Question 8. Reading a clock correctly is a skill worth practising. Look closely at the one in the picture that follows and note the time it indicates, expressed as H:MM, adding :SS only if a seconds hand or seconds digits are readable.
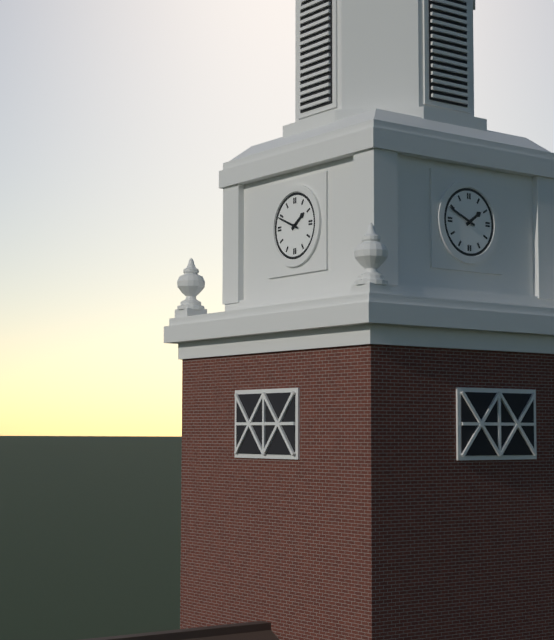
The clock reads 1:49
